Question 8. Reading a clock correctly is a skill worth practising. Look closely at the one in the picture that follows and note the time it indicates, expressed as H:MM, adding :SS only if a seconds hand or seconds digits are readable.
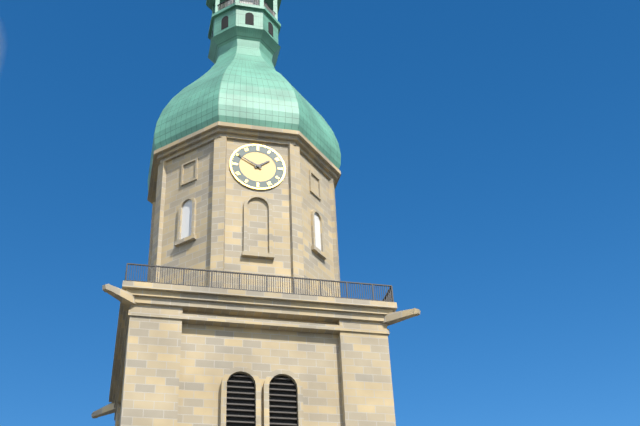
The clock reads 1:50
